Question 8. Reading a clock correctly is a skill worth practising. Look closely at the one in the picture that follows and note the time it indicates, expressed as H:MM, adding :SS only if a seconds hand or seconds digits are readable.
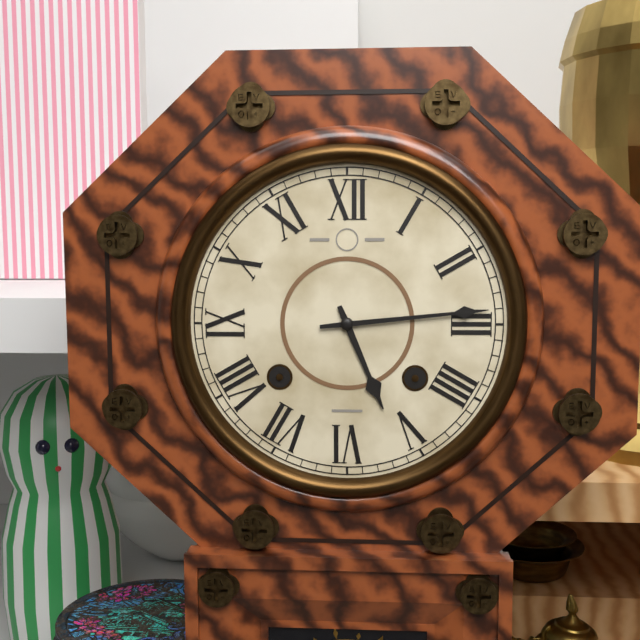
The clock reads 5:14
